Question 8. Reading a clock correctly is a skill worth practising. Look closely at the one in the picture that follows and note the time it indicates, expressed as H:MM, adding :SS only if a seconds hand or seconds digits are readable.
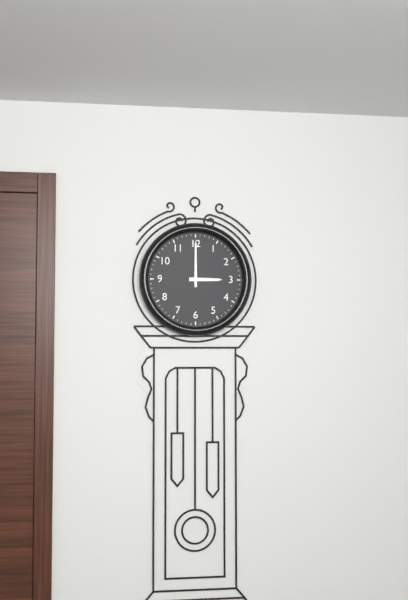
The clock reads 3:00
